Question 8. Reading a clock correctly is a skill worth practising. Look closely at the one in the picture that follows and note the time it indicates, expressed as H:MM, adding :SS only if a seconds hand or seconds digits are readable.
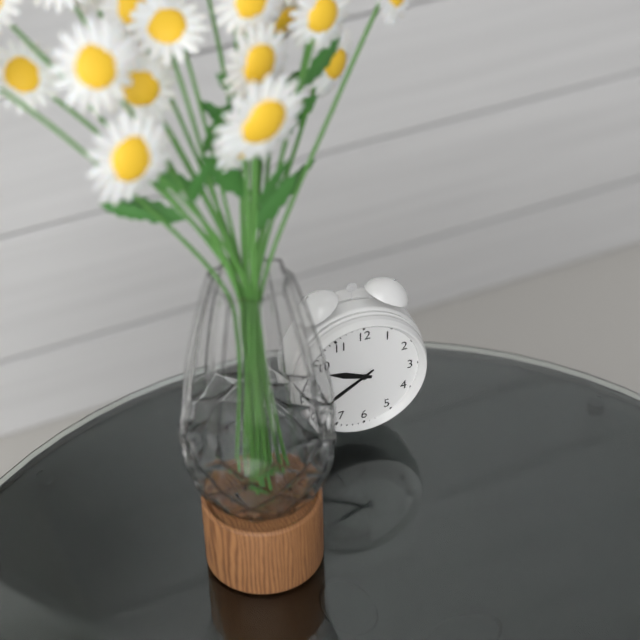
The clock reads 9:40
